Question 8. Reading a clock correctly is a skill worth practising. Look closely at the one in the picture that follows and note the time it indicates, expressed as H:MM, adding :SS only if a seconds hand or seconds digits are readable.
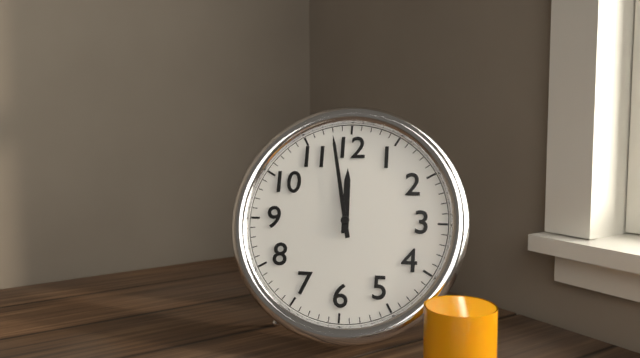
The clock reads 11:58
